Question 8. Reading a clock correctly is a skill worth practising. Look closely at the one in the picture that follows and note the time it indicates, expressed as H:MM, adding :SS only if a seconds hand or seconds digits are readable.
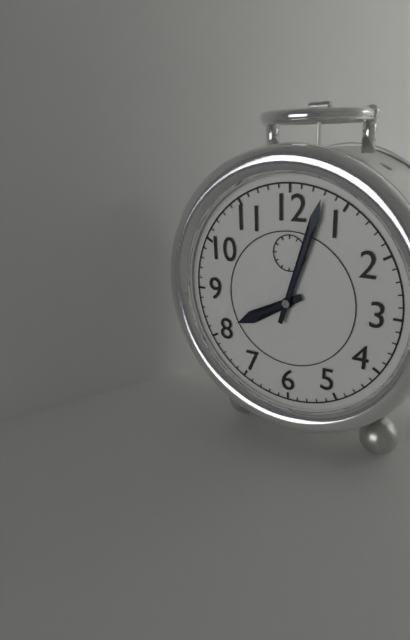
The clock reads 8:03
